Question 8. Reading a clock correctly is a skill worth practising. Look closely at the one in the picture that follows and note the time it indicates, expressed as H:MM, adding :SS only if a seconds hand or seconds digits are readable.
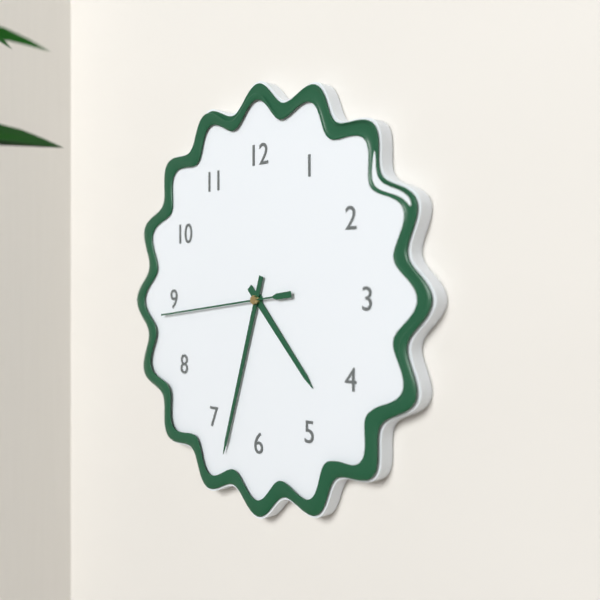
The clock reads 4:33:44
